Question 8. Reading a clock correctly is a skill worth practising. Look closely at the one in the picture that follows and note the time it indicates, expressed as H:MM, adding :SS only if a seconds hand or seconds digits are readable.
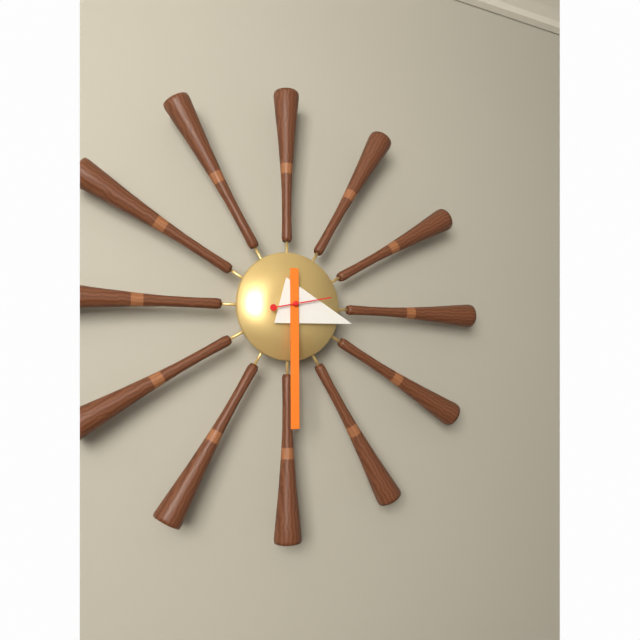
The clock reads 3:30:13
